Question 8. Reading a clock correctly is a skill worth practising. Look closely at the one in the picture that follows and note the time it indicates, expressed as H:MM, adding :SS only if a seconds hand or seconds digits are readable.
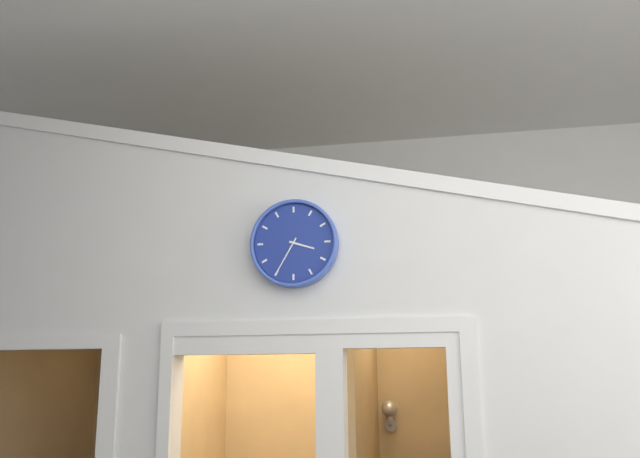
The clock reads 3:35
